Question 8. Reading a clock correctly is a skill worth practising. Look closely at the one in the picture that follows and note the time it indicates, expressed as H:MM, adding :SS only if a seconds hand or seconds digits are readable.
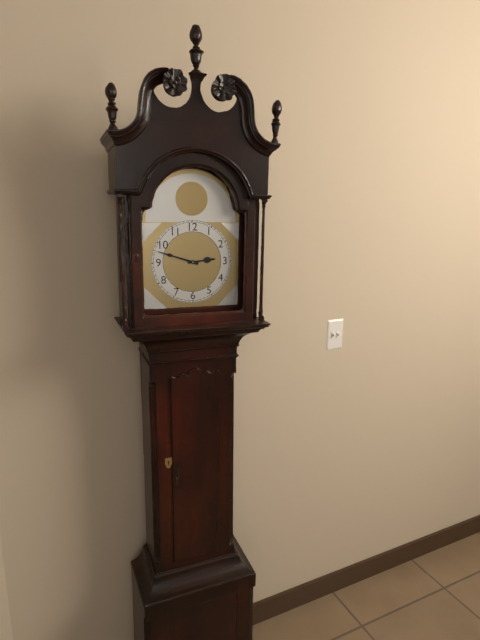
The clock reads 2:48
